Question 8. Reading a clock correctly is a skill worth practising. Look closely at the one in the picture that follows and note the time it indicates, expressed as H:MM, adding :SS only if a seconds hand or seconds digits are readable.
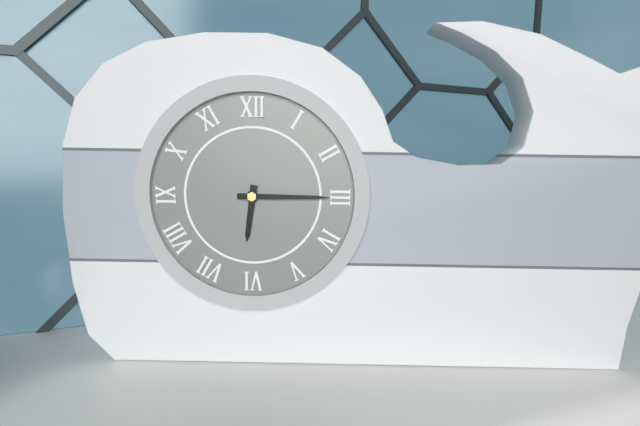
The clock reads 6:15
